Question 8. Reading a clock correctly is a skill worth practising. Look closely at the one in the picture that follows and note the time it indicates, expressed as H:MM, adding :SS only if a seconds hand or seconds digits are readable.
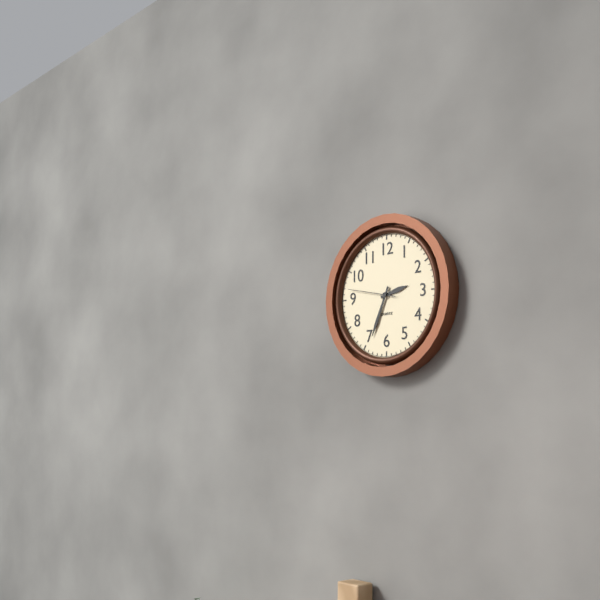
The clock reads 2:34
